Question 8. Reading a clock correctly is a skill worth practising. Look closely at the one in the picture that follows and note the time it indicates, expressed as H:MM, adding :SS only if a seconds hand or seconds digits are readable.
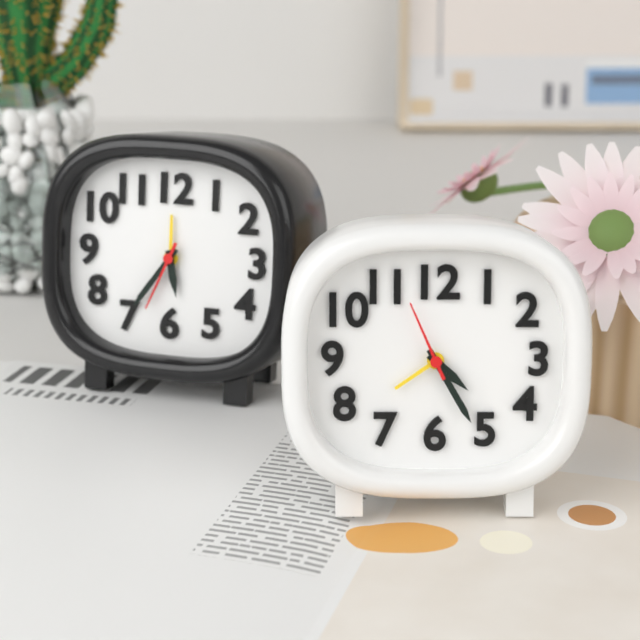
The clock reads 4:25:56
